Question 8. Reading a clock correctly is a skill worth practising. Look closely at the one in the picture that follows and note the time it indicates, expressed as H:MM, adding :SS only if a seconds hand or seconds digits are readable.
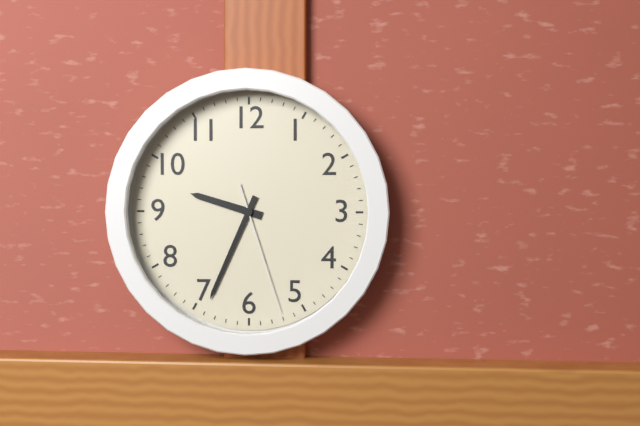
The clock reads 9:34:27
